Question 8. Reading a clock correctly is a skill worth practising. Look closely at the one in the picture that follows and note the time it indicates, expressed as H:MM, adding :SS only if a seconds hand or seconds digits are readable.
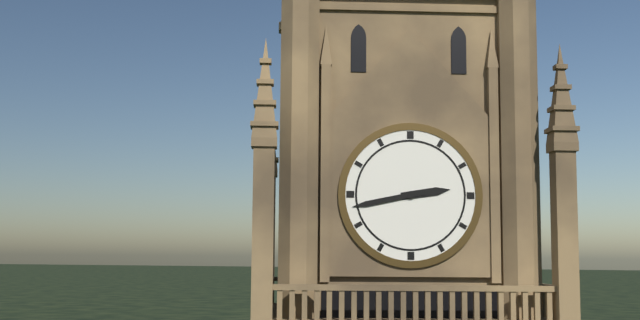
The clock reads 2:43
